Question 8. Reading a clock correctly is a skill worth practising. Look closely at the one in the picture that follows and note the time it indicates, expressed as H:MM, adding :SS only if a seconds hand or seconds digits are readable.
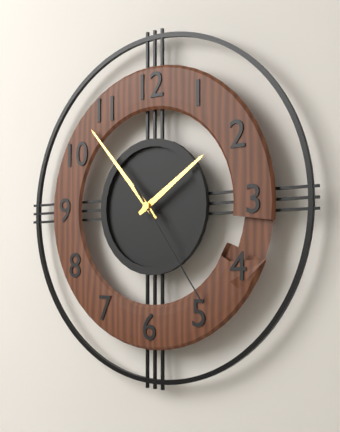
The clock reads 1:53:24
